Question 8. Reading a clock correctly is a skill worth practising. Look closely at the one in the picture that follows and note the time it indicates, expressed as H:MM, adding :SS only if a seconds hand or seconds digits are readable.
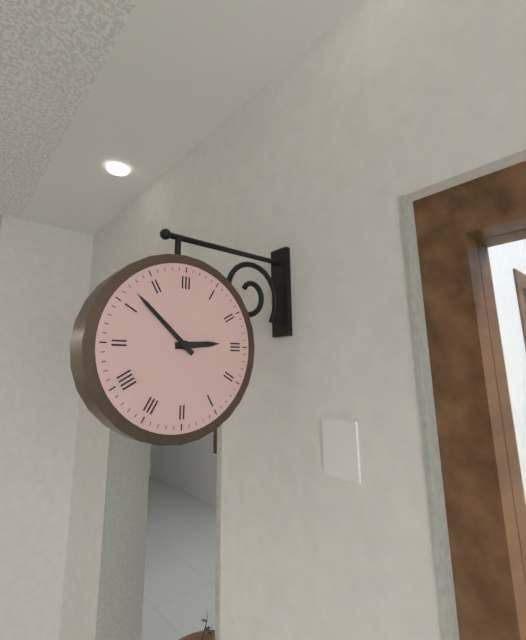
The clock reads 2:52
